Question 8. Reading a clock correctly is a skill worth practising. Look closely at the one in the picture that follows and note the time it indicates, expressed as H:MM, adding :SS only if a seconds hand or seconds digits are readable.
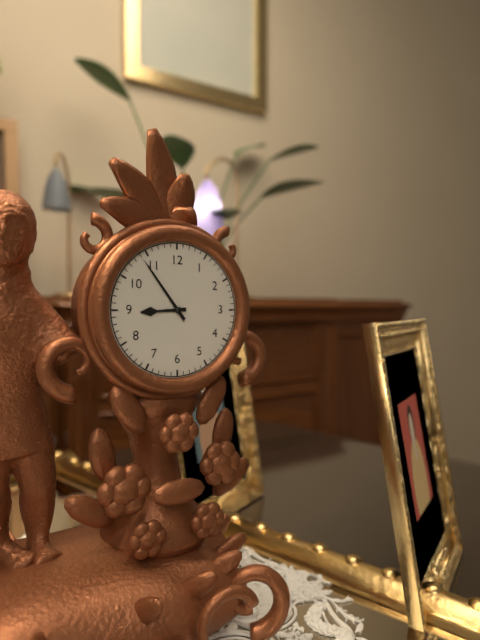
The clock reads 8:54
